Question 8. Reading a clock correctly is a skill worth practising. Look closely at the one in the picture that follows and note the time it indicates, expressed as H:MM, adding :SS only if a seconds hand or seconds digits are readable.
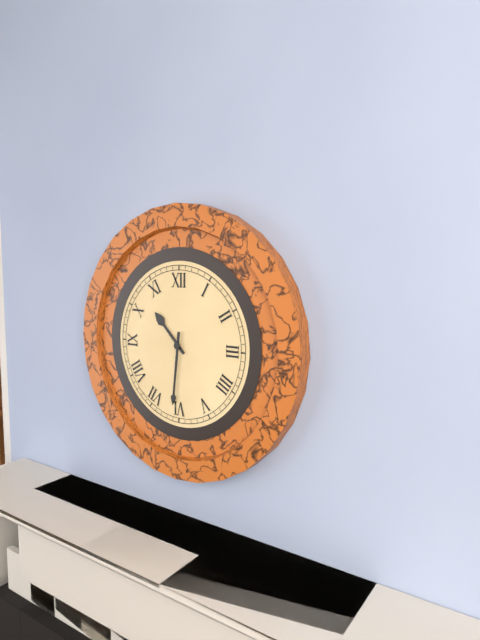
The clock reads 10:31
